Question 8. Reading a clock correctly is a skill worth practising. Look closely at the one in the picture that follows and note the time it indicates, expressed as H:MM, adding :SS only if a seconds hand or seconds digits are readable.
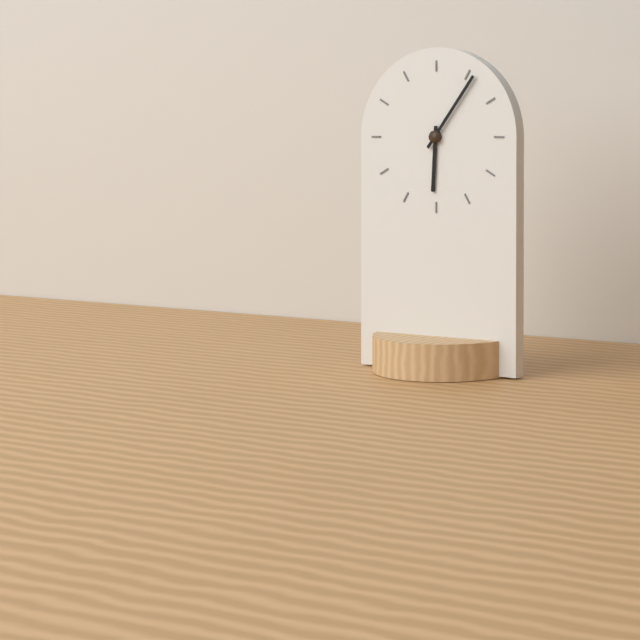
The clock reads 6:06
